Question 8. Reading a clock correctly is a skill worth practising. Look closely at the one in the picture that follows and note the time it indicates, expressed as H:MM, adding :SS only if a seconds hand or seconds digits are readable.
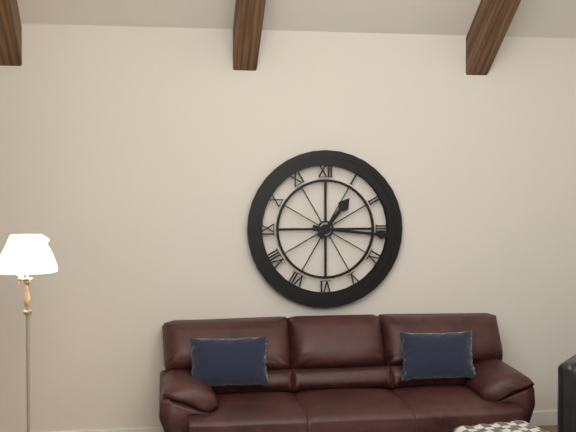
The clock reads 1:16
